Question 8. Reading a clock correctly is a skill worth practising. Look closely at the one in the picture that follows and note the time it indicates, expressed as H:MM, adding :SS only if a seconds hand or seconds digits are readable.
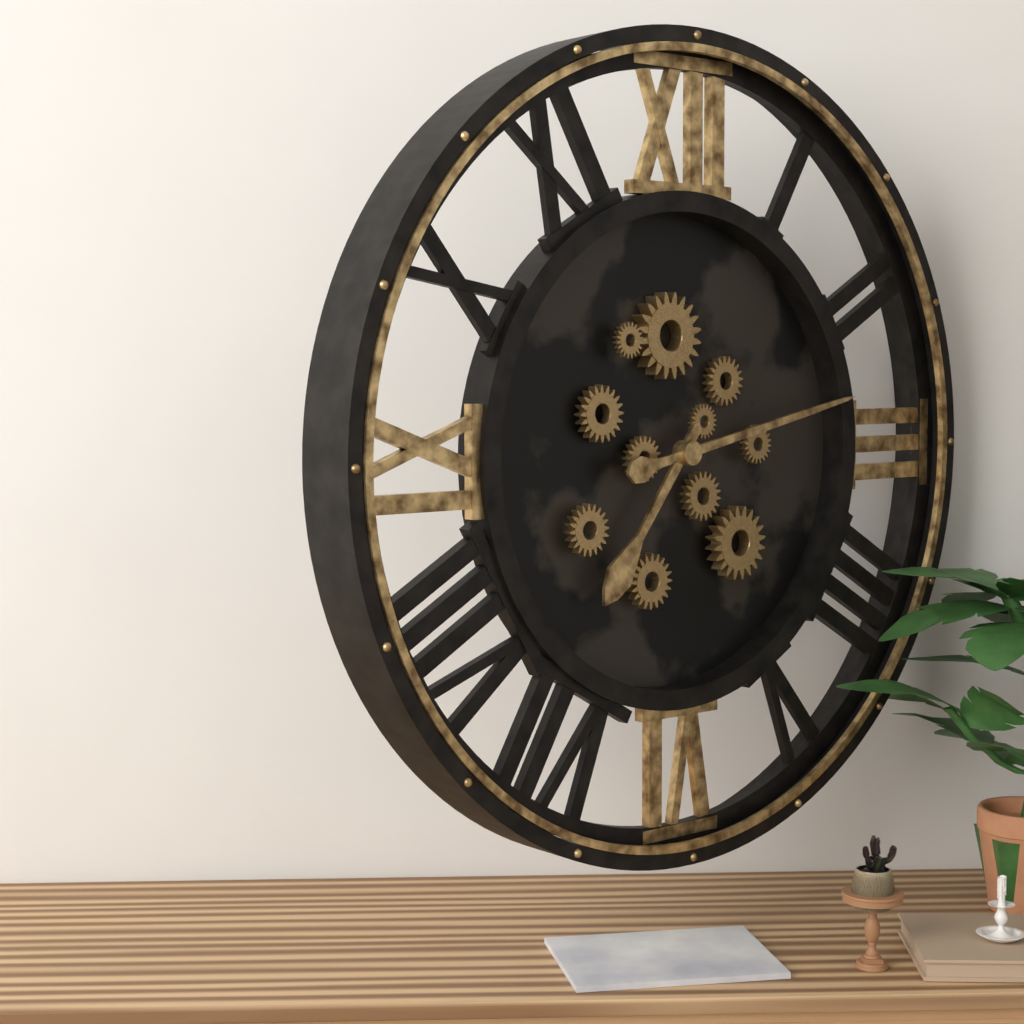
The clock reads 7:13
